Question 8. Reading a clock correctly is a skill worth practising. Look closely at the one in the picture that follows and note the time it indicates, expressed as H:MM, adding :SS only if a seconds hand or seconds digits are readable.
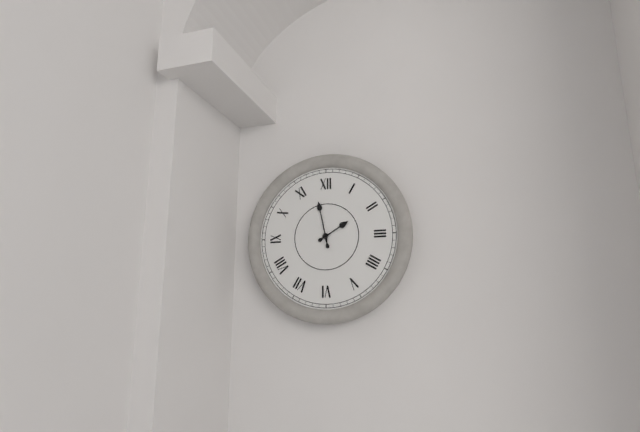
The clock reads 1:58
